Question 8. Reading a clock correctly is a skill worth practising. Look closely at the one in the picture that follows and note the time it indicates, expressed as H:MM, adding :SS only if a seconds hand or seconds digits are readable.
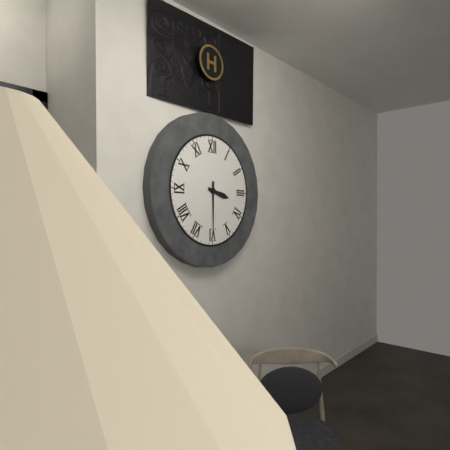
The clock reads 3:30
